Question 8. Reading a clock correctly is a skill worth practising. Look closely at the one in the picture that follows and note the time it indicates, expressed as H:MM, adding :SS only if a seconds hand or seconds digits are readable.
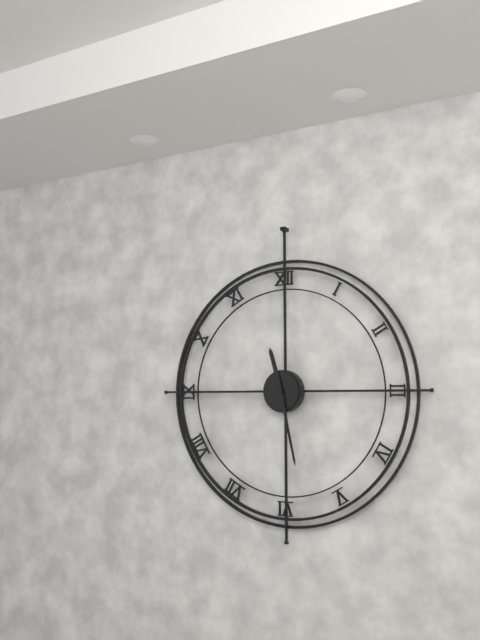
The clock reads 11:28
